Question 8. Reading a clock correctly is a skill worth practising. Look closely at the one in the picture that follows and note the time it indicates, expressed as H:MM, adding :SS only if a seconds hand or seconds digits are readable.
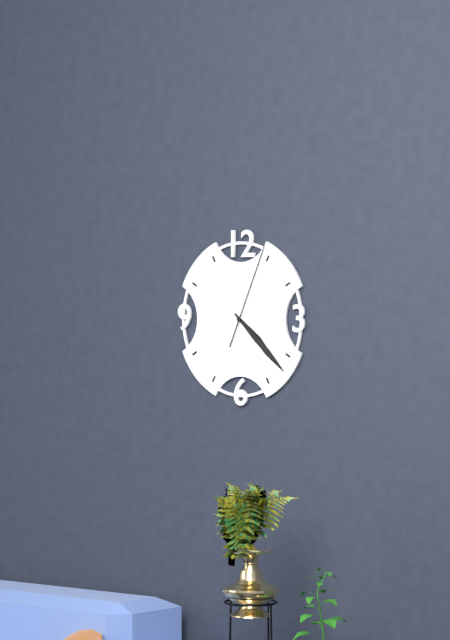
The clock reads 4:22:04
